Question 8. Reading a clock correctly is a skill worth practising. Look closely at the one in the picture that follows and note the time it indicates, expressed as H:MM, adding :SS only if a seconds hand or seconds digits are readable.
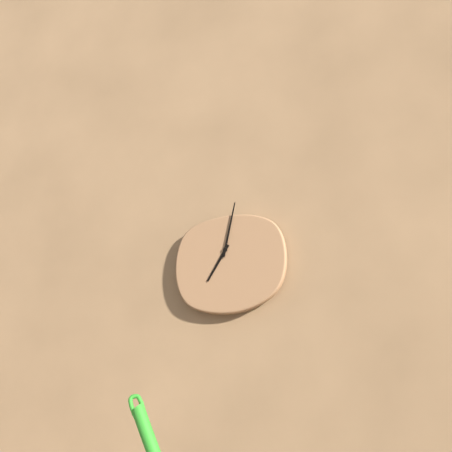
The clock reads 7:02
